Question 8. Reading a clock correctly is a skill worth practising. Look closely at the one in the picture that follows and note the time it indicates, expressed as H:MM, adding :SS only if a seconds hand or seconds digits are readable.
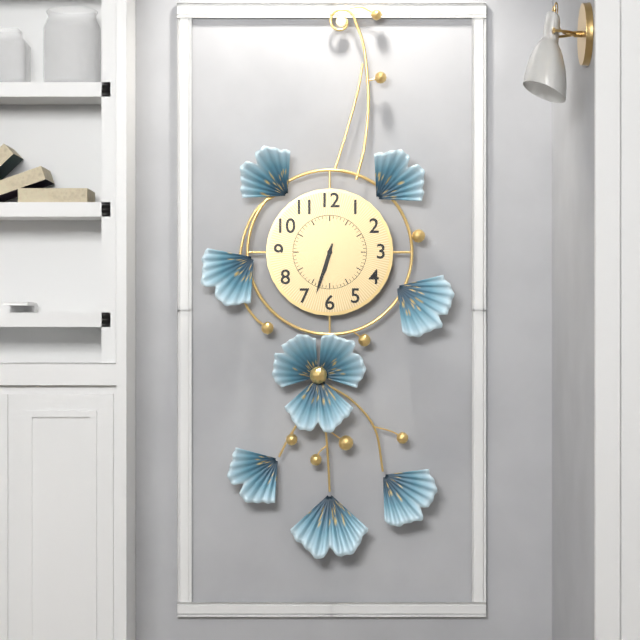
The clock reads 6:33
